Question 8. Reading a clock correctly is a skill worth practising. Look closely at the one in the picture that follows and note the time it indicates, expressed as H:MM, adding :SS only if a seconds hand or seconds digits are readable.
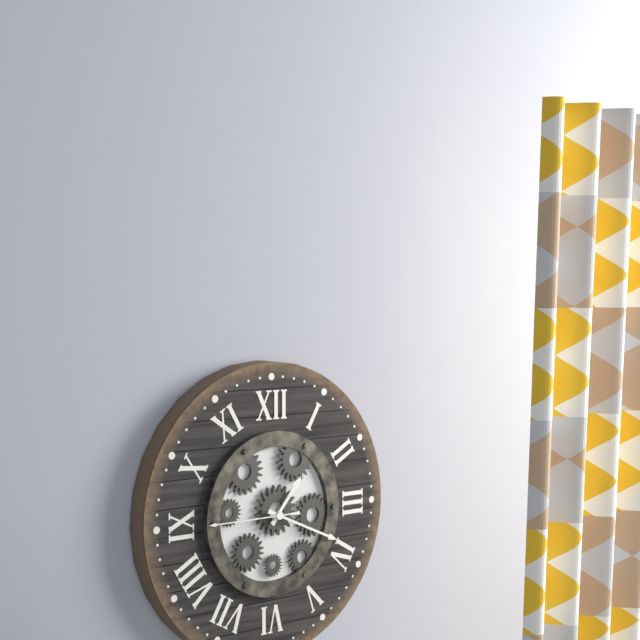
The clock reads 1:19:45
